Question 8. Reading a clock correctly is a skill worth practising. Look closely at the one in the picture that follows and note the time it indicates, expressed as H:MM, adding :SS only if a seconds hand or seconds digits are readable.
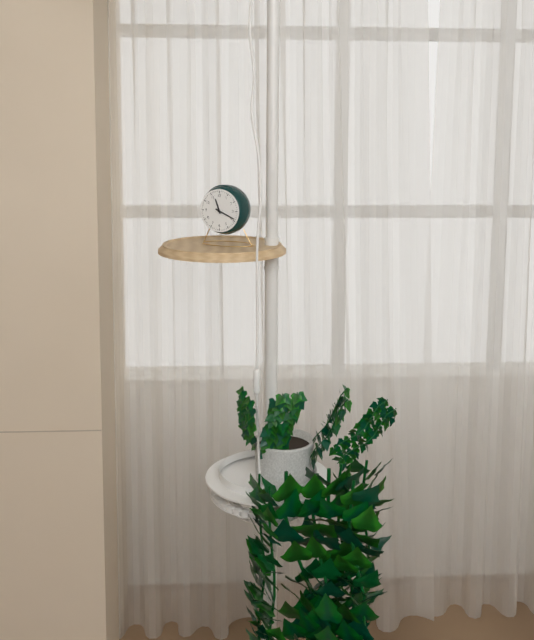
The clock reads 11:19
